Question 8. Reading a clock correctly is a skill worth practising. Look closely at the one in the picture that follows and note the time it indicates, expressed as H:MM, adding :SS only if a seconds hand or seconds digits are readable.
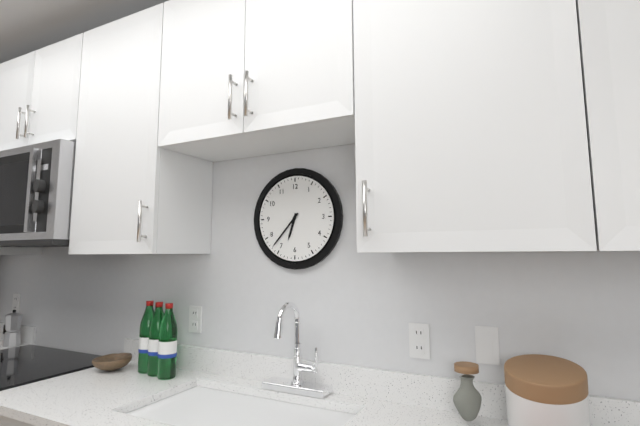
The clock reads 6:37
